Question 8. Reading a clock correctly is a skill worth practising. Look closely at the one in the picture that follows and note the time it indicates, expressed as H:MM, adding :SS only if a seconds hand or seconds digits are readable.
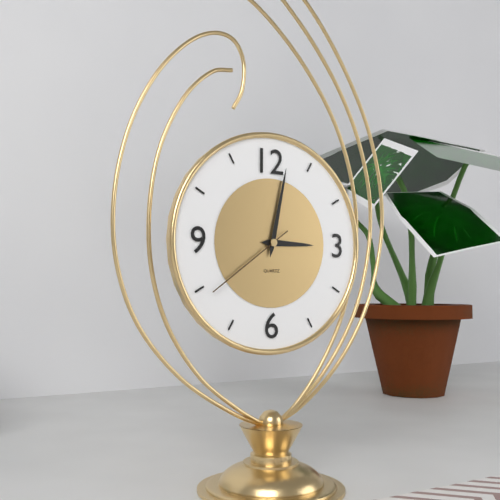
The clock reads 3:02:39
